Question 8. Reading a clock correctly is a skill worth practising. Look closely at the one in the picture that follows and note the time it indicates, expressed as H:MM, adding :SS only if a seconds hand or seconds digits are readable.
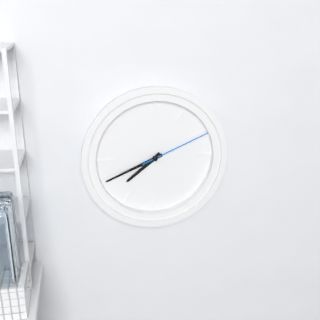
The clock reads 7:41:11
